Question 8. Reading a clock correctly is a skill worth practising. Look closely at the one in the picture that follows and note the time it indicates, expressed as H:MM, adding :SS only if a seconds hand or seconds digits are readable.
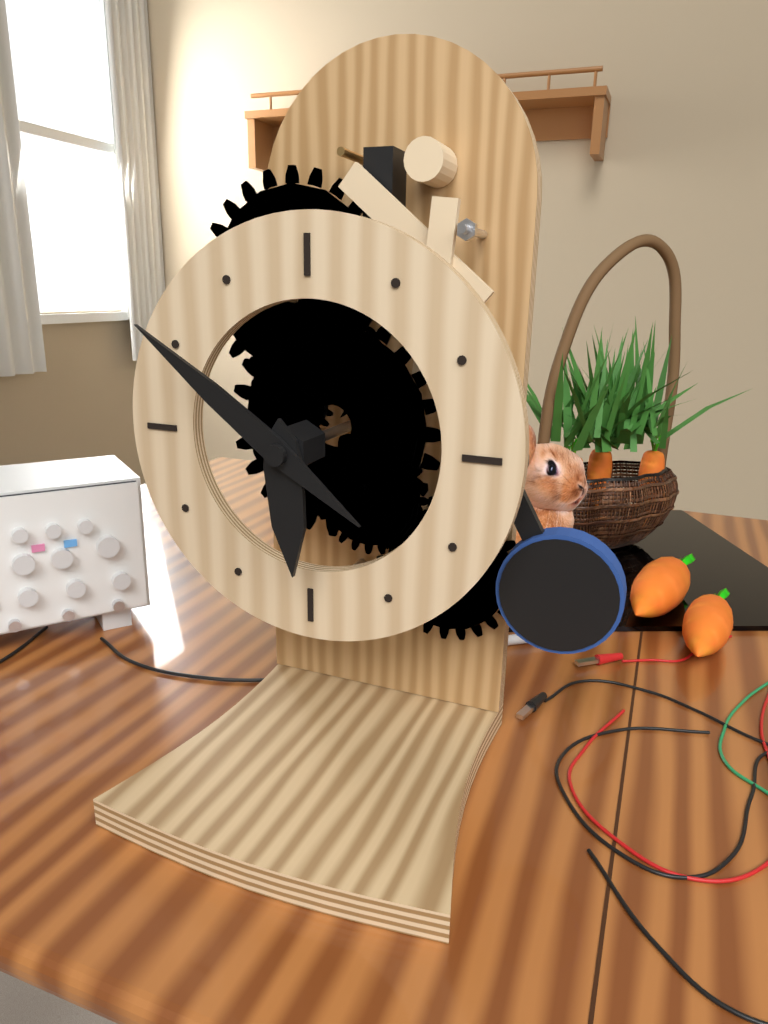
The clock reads 5:51
